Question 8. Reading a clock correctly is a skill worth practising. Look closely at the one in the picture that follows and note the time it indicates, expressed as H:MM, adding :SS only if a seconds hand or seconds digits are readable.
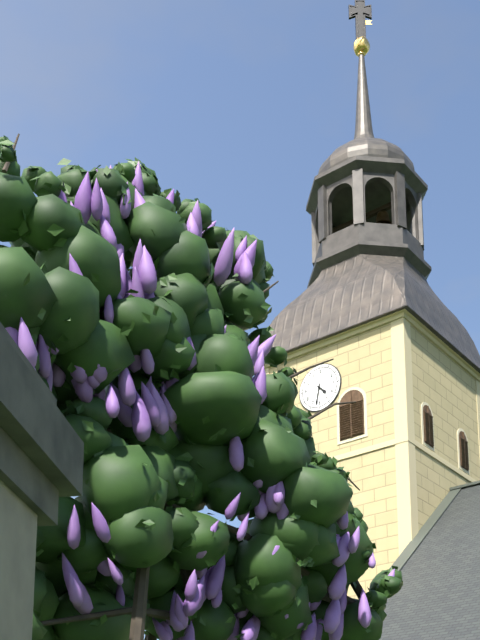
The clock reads 4:32
